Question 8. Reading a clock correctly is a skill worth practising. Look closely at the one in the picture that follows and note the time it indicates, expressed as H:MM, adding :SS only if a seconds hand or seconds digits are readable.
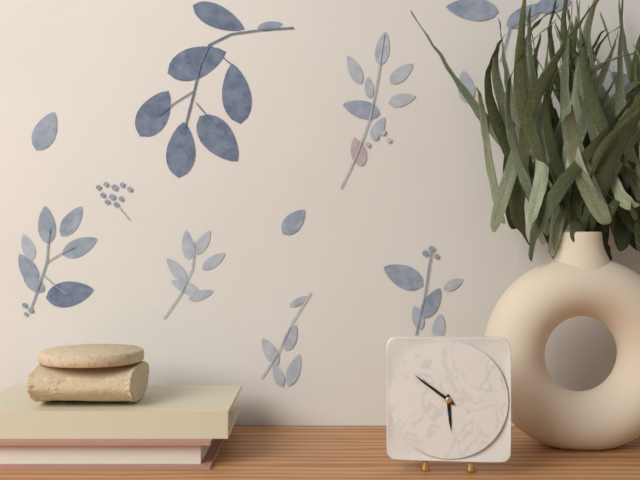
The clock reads 5:51
